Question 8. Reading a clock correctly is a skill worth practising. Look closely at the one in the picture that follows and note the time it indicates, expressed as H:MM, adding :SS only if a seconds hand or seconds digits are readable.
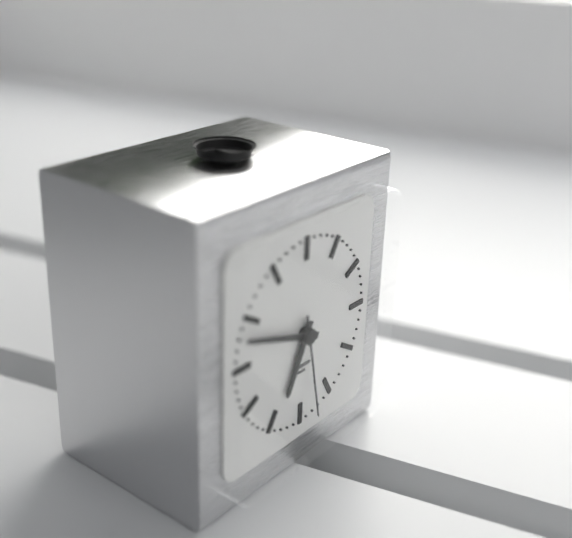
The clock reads 6:48:28
